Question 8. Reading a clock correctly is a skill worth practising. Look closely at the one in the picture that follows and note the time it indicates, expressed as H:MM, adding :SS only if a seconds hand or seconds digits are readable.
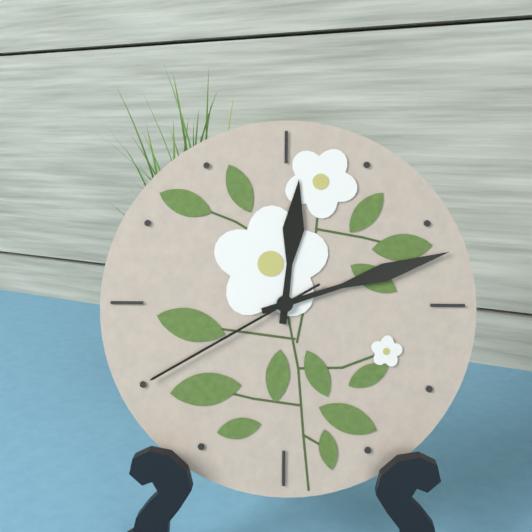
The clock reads 12:12:40
